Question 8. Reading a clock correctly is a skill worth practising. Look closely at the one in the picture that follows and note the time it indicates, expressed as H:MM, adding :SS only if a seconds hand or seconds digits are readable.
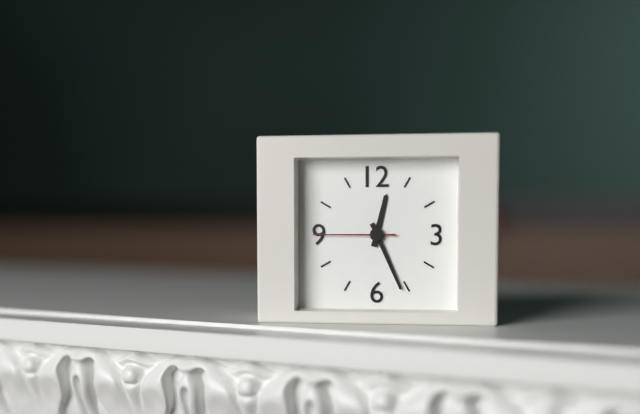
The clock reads 12:26:45
